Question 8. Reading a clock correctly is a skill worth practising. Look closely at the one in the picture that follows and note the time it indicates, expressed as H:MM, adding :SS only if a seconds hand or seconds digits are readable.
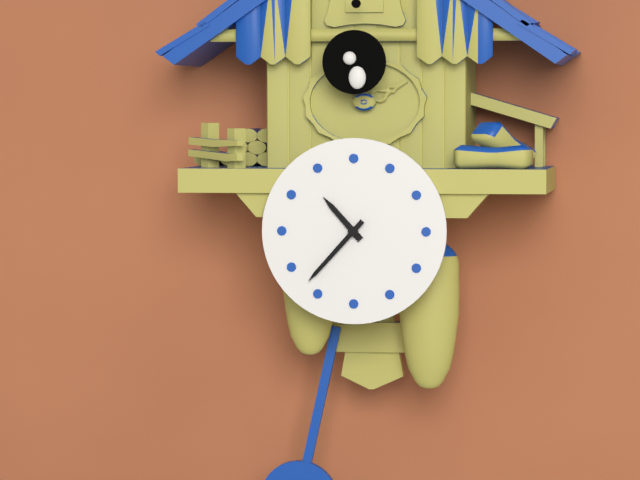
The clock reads 10:37
